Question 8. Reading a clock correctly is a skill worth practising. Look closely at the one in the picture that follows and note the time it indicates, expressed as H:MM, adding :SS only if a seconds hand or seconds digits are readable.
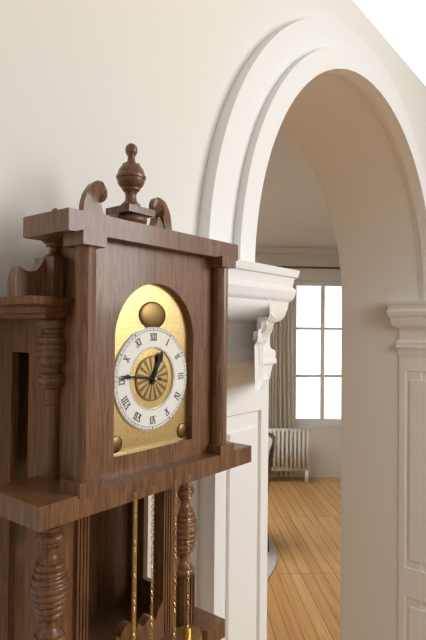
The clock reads 12:46
